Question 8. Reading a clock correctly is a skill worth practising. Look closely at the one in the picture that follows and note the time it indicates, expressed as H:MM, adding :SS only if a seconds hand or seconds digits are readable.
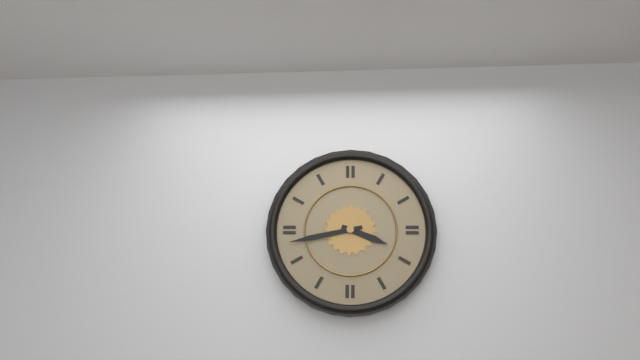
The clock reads 3:43
